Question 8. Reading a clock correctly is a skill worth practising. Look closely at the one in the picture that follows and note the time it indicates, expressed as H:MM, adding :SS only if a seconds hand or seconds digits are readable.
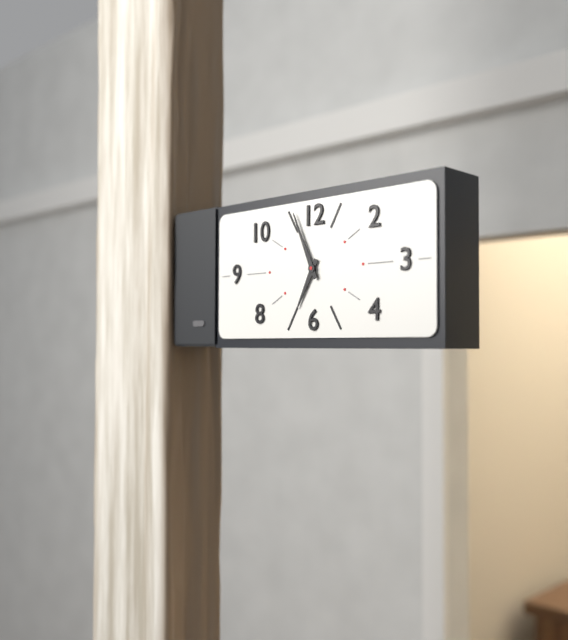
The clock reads 6:56
